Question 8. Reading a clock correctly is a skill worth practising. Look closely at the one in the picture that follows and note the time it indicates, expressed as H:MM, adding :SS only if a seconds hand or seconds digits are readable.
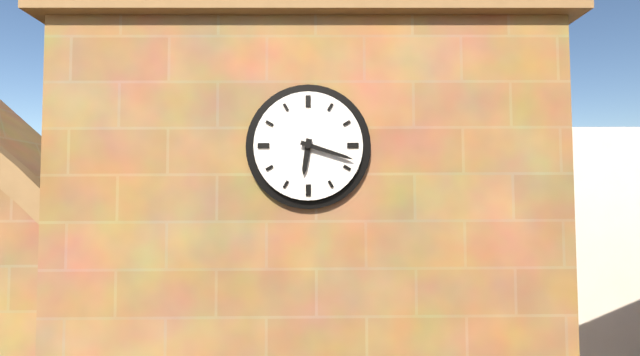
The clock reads 6:18
